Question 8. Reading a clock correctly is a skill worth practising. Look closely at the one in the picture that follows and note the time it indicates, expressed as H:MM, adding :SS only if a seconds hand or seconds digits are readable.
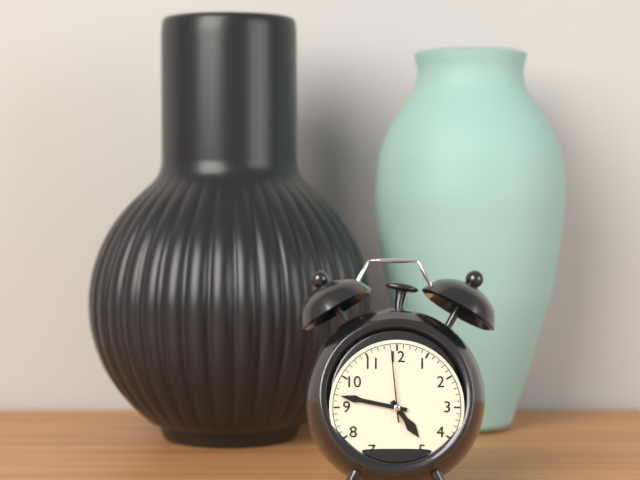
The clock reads 4:47:59
